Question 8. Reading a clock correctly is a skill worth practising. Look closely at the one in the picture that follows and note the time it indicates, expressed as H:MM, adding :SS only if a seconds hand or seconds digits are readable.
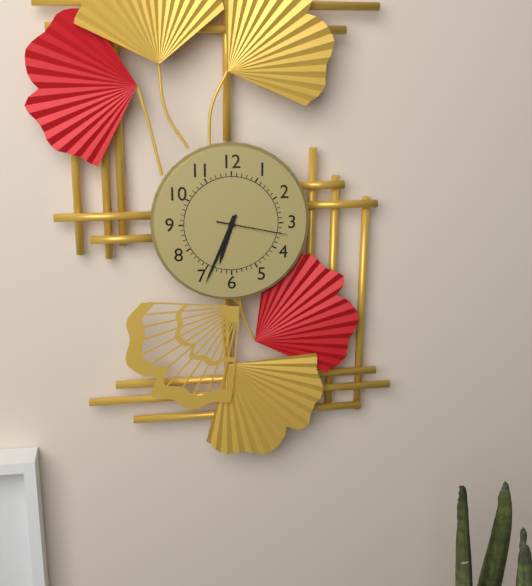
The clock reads 6:34:17
